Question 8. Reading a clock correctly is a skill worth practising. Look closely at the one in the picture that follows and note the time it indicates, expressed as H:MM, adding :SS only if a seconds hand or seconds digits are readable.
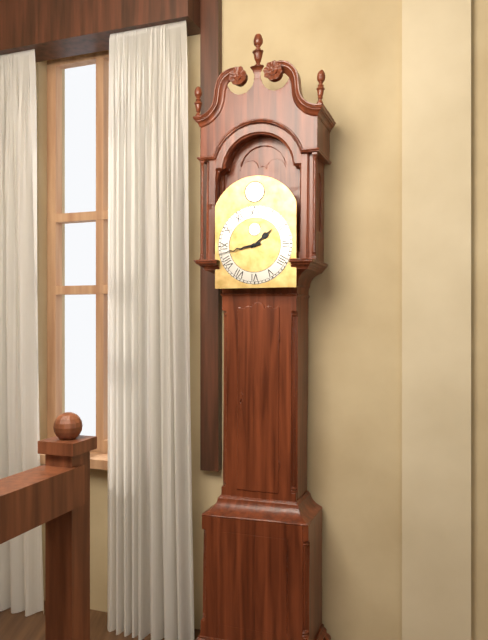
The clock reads 1:43
